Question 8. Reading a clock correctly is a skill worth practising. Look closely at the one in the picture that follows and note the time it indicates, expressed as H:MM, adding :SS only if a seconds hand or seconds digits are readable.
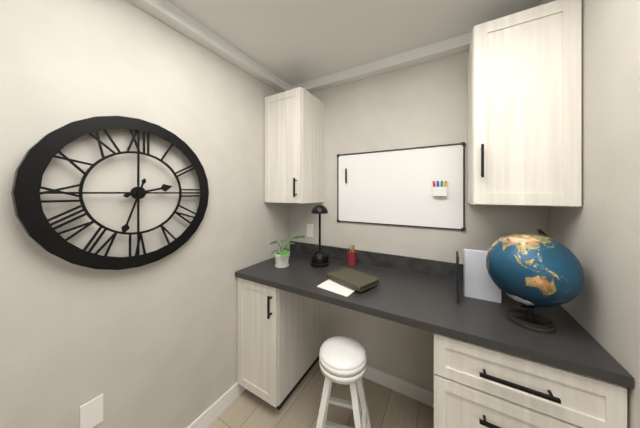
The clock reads 2:33
